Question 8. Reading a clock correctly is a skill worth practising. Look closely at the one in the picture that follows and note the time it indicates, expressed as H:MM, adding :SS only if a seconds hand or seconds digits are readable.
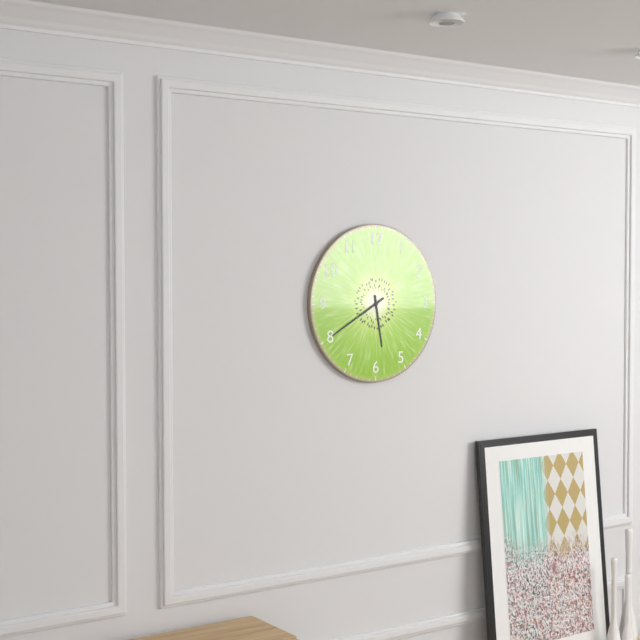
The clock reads 5:40
